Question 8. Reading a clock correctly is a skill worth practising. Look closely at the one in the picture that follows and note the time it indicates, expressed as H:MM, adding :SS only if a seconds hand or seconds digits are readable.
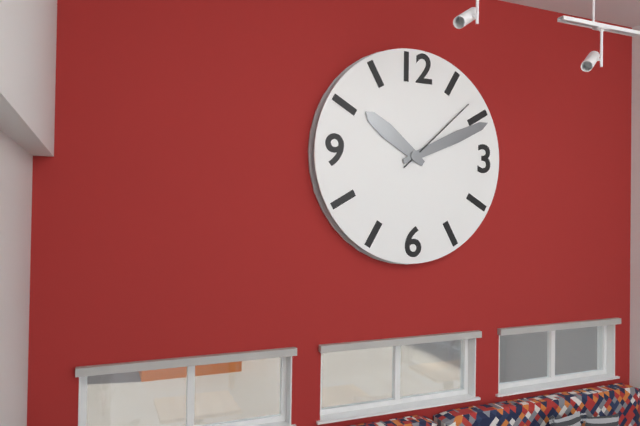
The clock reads 10:11:08
